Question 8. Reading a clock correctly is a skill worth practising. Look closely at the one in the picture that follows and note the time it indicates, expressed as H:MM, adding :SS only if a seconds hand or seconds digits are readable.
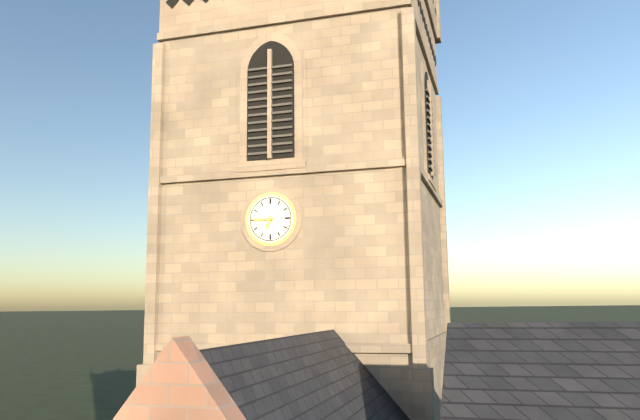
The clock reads 6:45
